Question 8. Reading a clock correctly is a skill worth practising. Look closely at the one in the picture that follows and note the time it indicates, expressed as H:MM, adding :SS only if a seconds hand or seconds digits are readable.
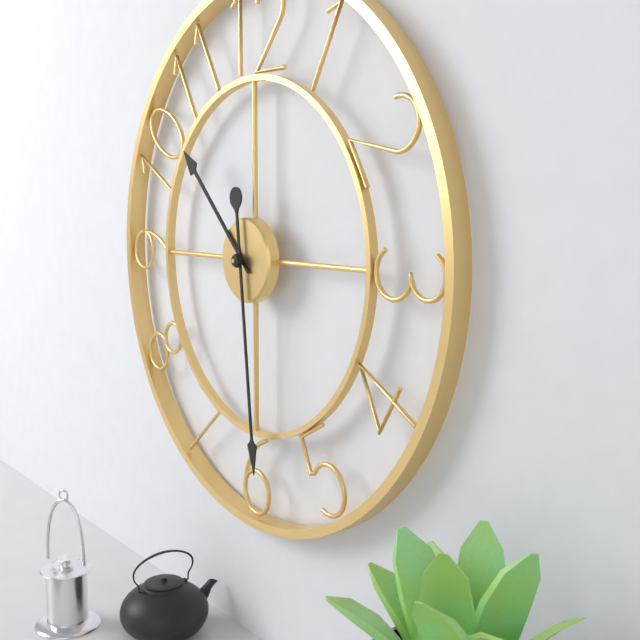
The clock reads 10:29
